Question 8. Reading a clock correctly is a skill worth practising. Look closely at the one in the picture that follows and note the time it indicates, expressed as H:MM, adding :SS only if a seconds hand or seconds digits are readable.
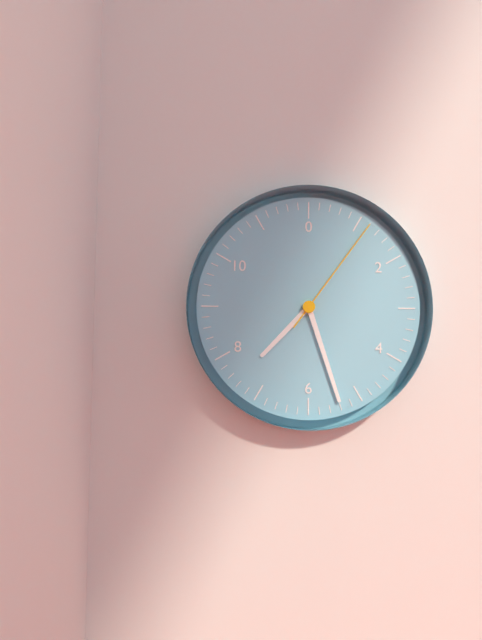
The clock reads 7:27:06
